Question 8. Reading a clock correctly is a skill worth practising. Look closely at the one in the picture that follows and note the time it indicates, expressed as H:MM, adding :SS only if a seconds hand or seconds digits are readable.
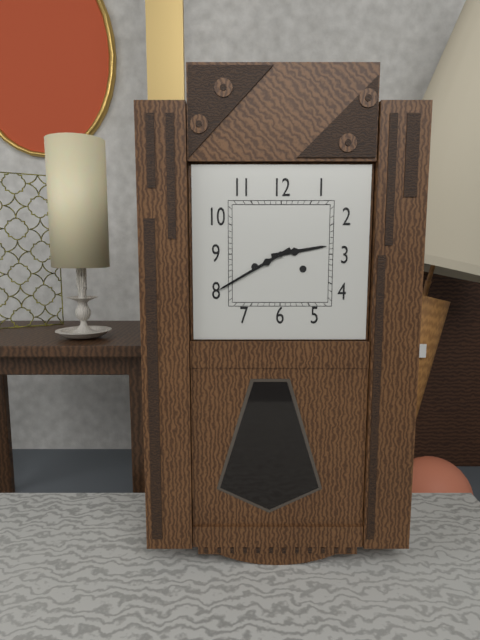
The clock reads 2:40
